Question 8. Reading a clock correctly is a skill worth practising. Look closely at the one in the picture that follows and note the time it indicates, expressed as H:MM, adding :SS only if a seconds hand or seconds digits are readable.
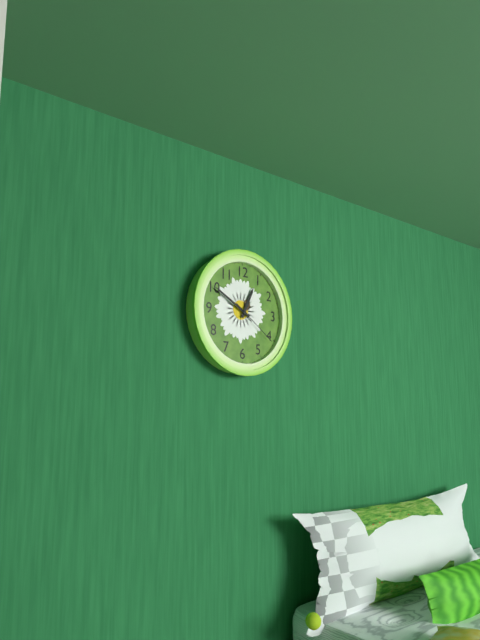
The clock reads 12:50
